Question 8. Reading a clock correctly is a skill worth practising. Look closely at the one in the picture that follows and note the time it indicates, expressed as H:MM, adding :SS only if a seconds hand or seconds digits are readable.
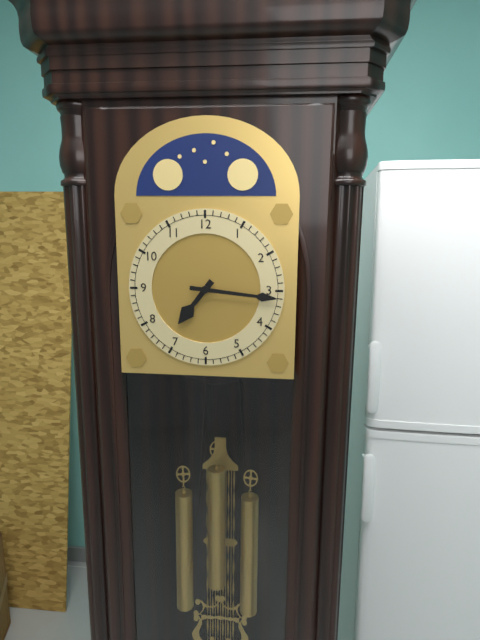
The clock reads 7:16
